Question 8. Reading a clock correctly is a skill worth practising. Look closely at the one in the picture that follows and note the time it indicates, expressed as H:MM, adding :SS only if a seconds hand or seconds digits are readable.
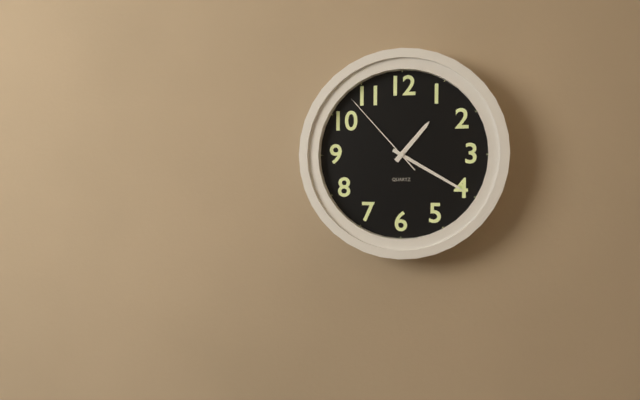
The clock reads 1:20:53
